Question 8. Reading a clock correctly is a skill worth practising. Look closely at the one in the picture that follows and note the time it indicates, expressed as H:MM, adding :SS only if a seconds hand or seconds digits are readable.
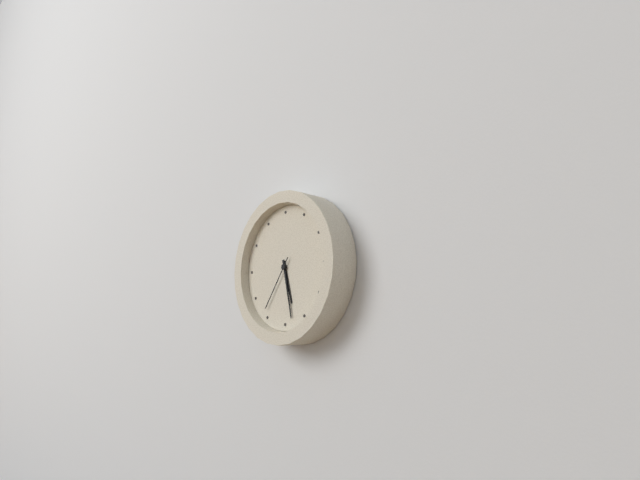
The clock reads 5:28:36
